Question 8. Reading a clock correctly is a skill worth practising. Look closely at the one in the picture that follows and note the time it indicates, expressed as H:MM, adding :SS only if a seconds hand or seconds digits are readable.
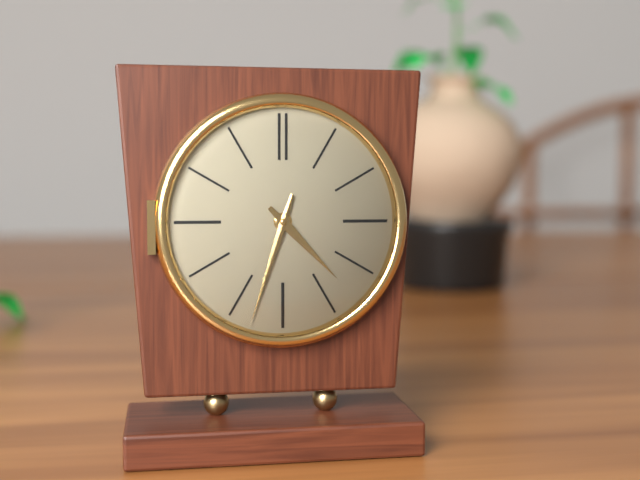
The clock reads 4:33
